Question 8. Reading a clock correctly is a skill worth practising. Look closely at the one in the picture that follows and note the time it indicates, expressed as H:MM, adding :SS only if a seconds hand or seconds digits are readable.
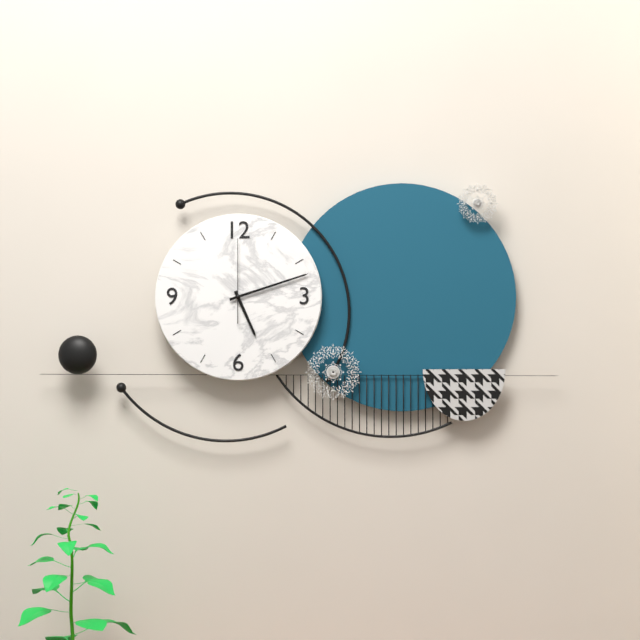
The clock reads 5:12:00
